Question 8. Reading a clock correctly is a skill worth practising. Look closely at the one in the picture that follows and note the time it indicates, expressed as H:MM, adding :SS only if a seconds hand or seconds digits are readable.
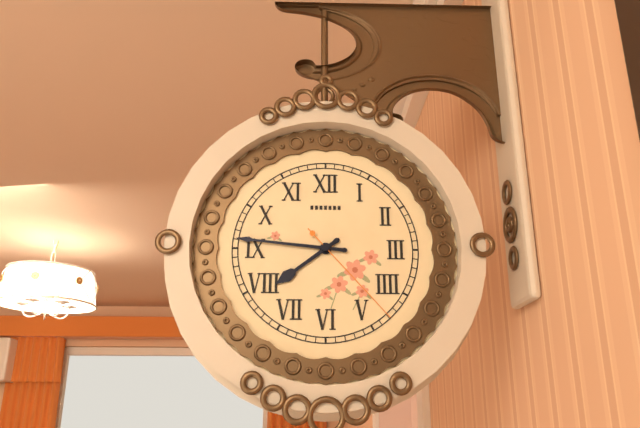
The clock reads 7:46:23
